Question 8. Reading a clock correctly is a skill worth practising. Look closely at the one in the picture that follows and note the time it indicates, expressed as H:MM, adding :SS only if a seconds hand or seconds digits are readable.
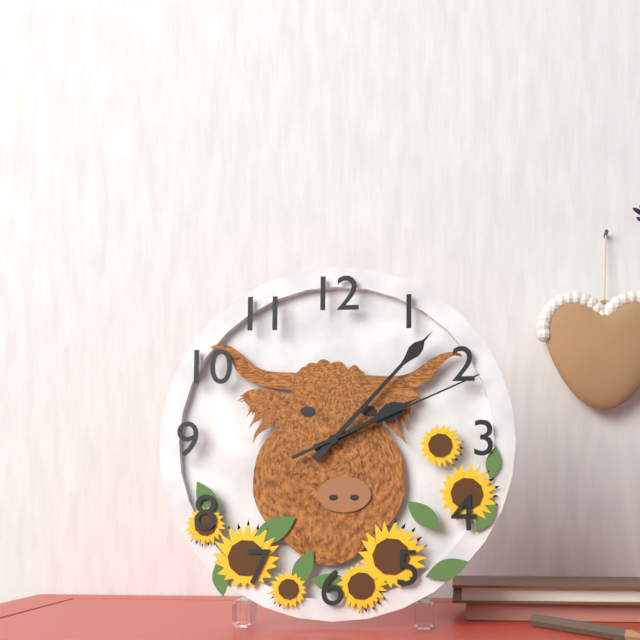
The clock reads 2:07:11
